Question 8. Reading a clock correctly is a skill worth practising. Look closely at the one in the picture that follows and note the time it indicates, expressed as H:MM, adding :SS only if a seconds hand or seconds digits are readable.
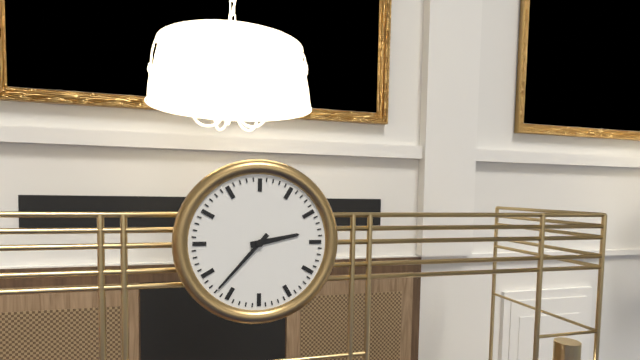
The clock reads 2:37
